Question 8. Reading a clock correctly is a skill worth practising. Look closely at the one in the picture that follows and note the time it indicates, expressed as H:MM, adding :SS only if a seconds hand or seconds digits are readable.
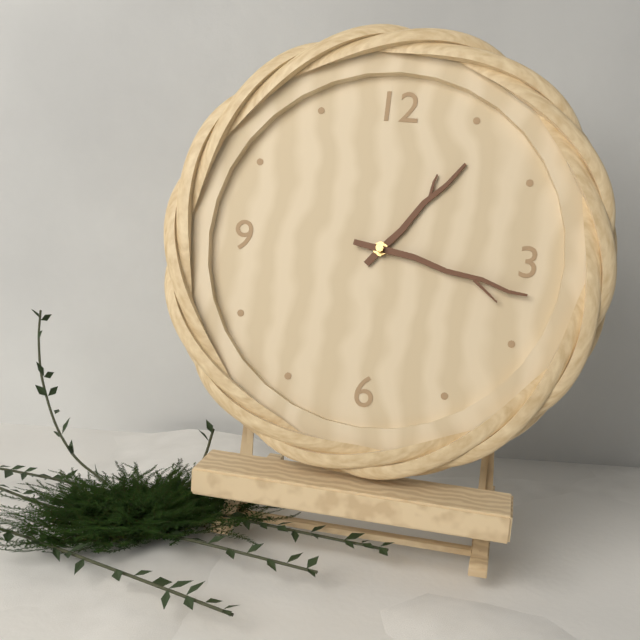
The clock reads 1:17
